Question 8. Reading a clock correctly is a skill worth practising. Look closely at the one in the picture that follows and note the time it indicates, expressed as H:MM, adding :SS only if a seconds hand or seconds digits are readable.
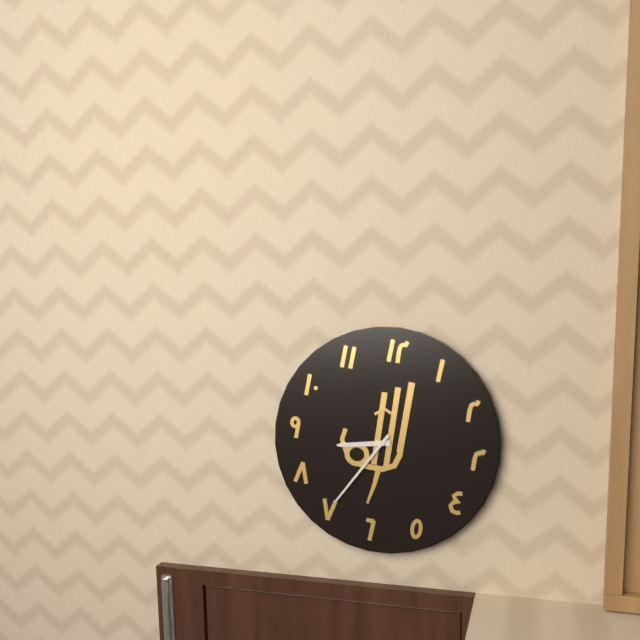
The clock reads 8:35
